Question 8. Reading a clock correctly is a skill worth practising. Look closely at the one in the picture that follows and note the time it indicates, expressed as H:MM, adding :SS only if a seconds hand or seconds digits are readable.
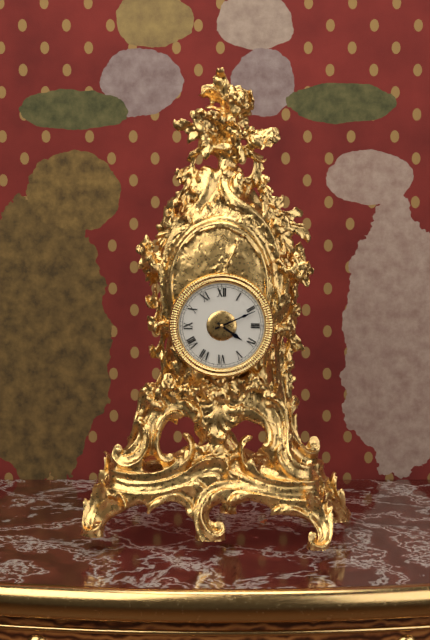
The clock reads 4:11
